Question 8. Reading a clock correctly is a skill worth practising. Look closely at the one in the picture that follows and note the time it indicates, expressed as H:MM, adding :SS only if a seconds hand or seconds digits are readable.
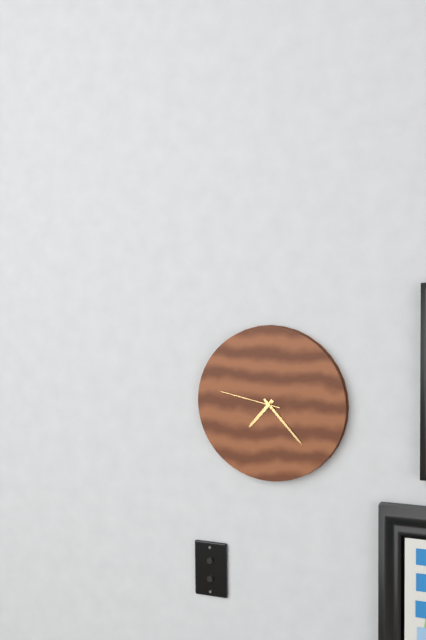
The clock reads 7:23:47
